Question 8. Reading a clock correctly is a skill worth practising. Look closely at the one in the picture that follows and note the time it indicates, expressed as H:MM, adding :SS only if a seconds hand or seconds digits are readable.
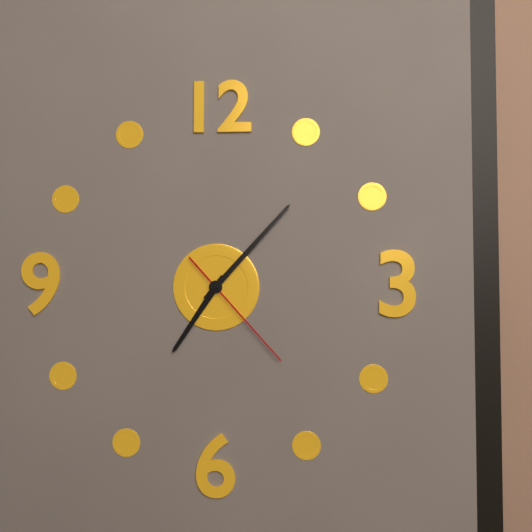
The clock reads 7:07:23
